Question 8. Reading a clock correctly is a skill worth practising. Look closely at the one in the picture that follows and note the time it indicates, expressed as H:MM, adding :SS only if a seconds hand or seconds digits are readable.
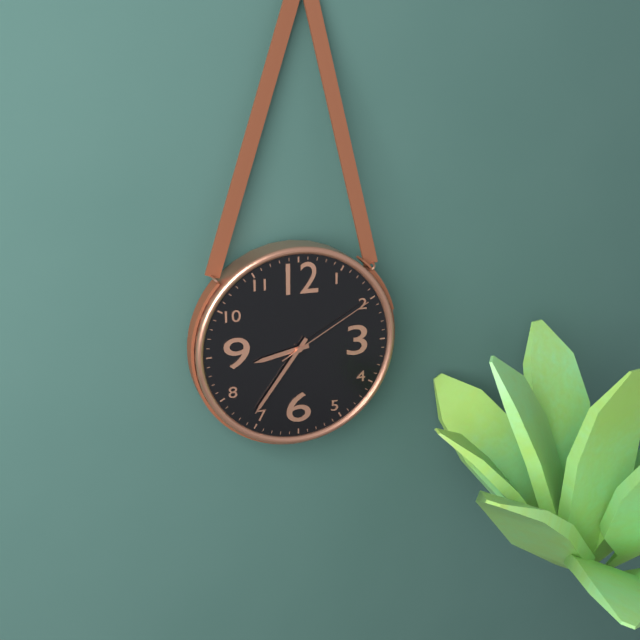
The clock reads 8:36:10
